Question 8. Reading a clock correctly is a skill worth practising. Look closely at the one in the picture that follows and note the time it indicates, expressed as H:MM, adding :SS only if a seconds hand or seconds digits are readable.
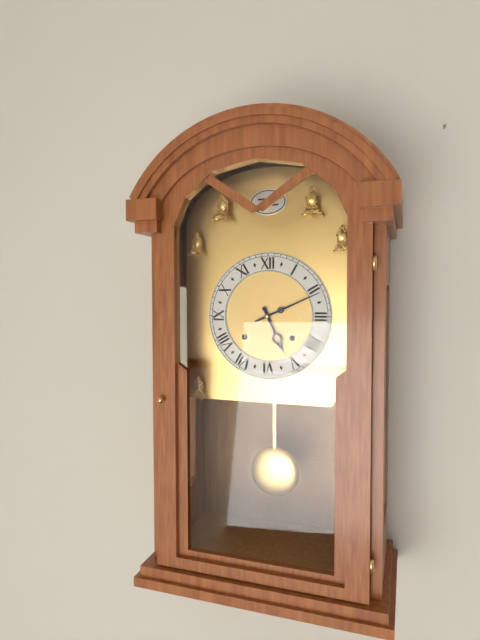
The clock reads 5:11
